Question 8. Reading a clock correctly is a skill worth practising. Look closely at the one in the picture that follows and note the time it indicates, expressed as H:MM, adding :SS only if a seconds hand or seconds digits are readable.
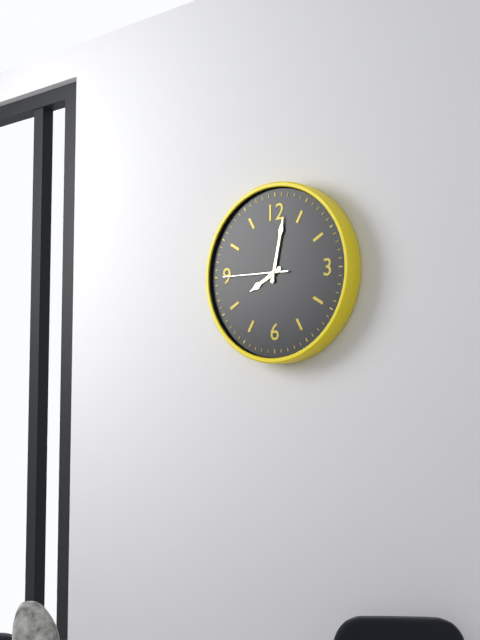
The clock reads 8:02:45
